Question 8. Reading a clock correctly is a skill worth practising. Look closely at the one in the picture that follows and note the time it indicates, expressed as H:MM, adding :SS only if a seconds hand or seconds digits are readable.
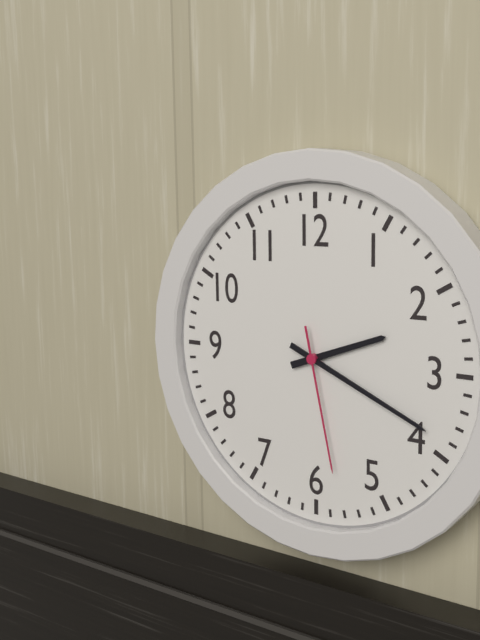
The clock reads 2:19:28
